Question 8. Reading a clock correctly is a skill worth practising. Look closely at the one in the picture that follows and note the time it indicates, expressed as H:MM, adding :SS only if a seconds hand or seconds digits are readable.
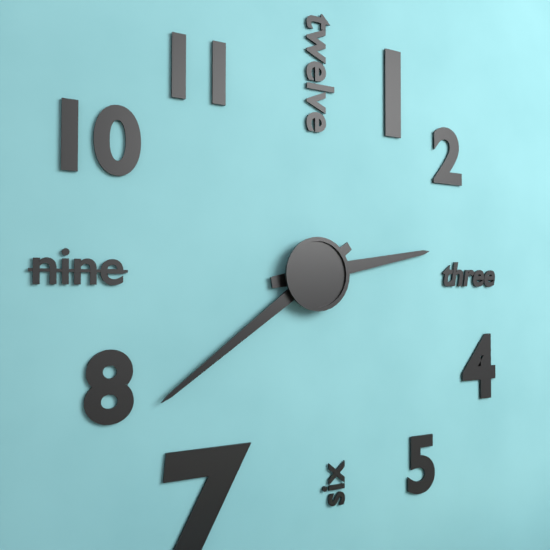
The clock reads 2:39
